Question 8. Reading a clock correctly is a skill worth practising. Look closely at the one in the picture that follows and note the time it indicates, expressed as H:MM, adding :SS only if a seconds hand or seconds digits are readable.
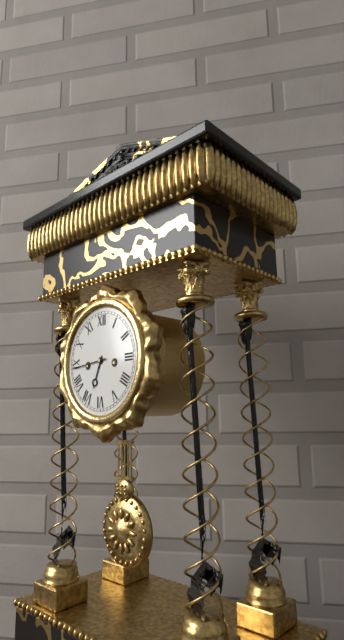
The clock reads 6:44
